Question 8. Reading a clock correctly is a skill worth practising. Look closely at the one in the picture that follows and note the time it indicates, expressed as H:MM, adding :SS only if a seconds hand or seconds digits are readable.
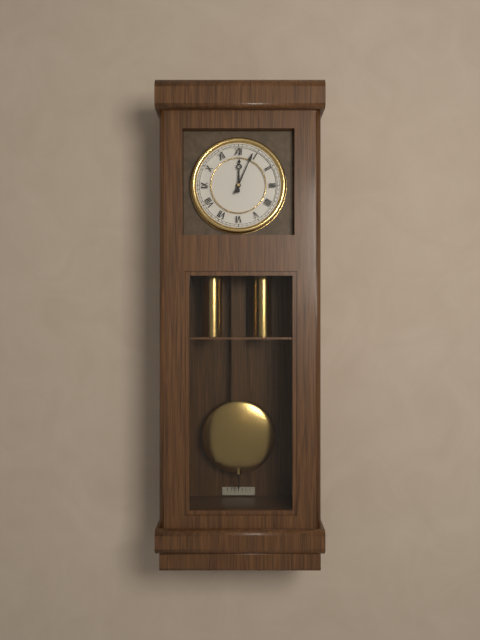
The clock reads 12:04
